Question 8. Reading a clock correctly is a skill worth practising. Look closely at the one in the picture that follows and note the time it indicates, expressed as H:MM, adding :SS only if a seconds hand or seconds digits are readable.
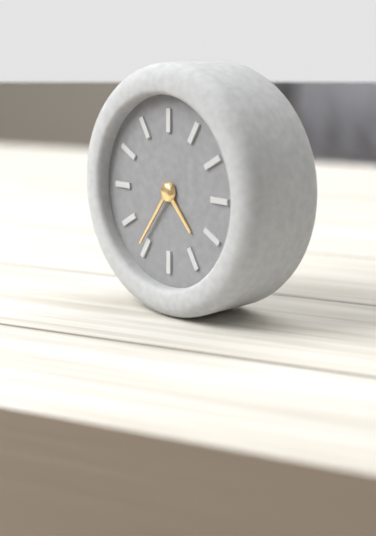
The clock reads 4:36
